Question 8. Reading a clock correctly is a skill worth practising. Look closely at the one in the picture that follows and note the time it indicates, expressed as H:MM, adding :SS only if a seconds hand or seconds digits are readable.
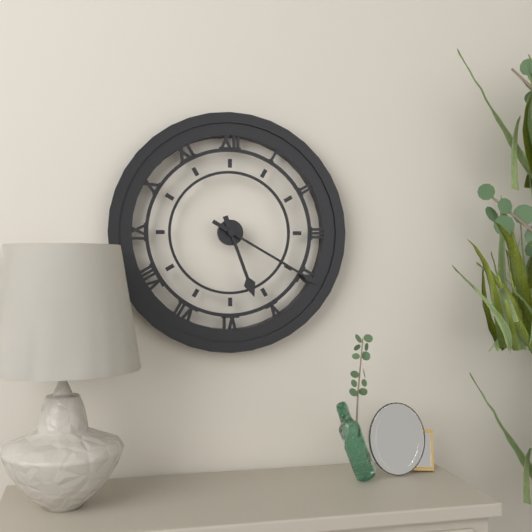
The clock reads 5:20
